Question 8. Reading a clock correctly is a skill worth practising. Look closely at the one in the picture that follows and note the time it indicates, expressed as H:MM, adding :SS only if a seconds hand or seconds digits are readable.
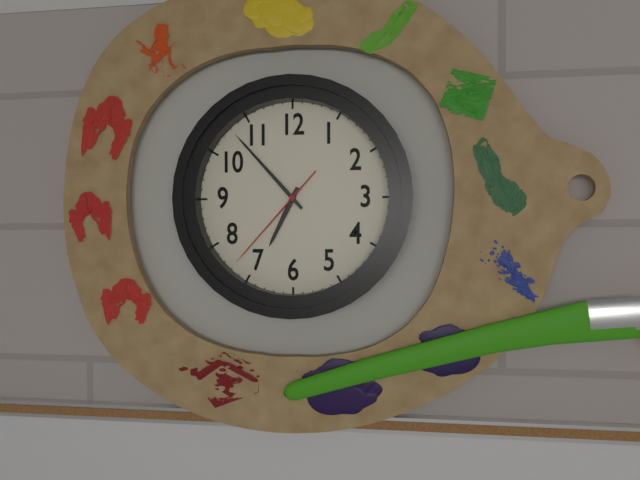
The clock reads 6:53:37
